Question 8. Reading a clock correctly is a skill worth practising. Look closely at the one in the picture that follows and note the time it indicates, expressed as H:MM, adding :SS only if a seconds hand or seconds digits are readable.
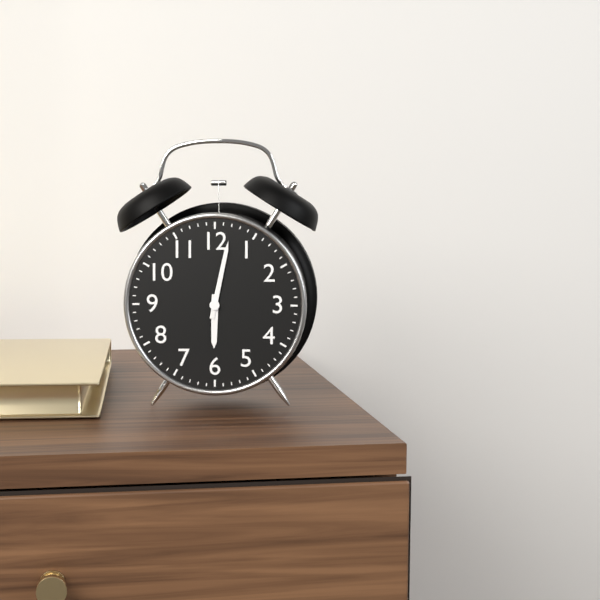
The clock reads 6:02
